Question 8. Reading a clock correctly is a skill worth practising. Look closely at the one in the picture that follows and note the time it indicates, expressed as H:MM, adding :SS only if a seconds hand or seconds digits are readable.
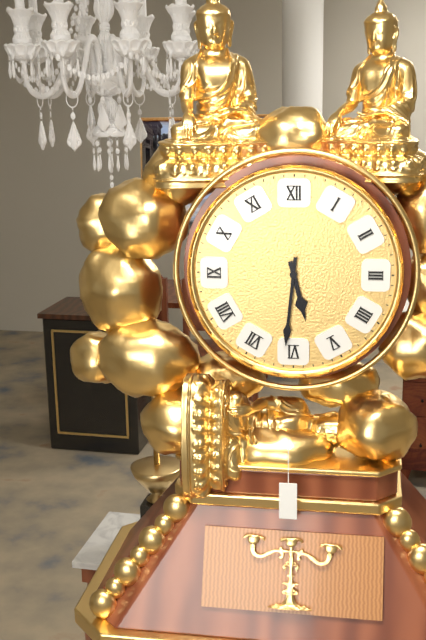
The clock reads 5:31
